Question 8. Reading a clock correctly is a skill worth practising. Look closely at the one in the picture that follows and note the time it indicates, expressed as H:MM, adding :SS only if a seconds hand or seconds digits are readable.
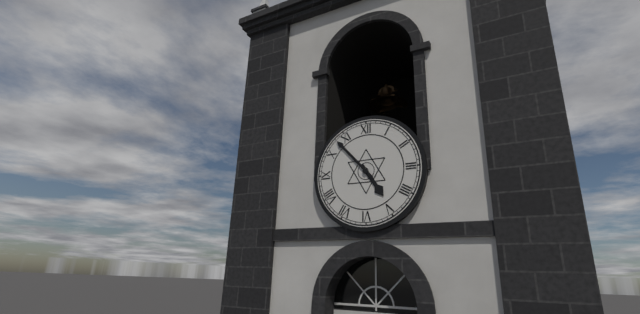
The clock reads 4:53
